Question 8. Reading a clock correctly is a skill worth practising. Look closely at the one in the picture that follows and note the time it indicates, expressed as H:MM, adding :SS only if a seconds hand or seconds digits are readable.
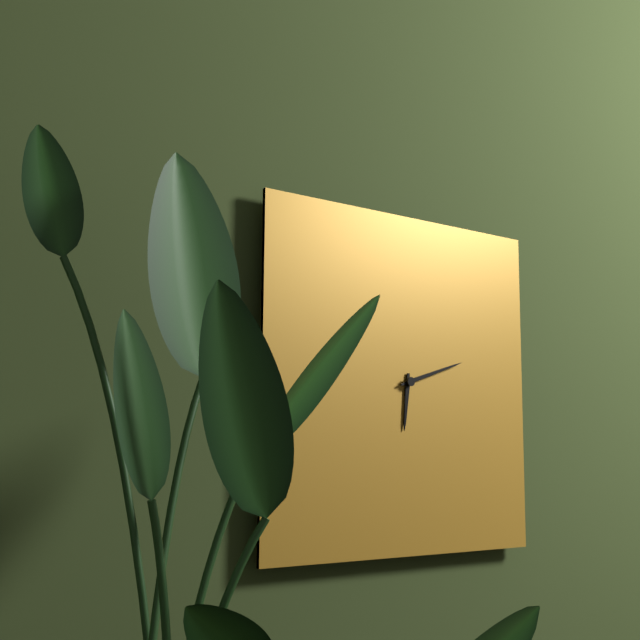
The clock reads 6:12
